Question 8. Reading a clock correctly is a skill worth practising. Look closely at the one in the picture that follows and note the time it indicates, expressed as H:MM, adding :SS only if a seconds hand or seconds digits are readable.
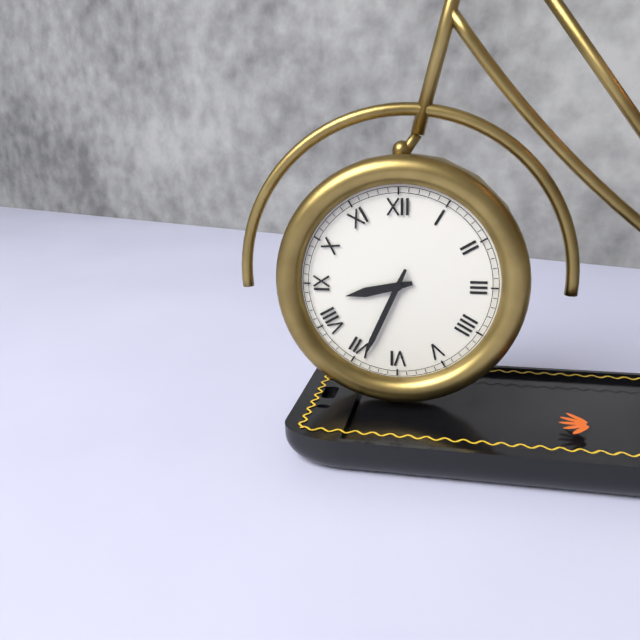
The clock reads 8:34
